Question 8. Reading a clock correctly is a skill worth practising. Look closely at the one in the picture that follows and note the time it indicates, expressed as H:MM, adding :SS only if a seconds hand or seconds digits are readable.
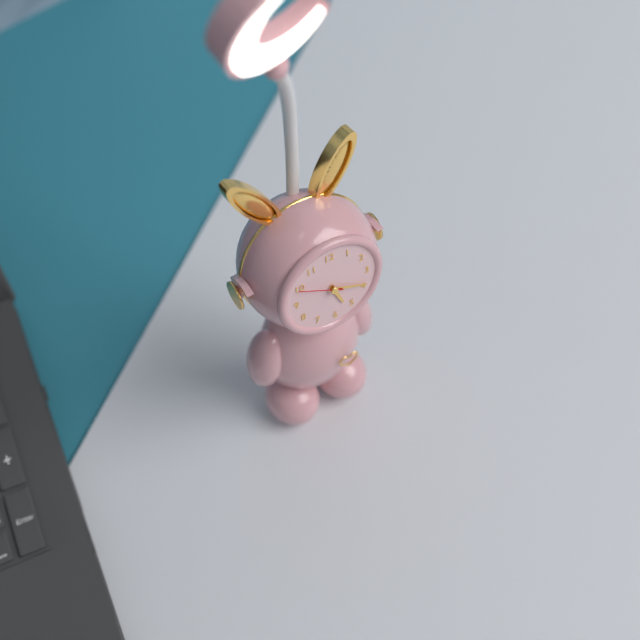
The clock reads 5:19
